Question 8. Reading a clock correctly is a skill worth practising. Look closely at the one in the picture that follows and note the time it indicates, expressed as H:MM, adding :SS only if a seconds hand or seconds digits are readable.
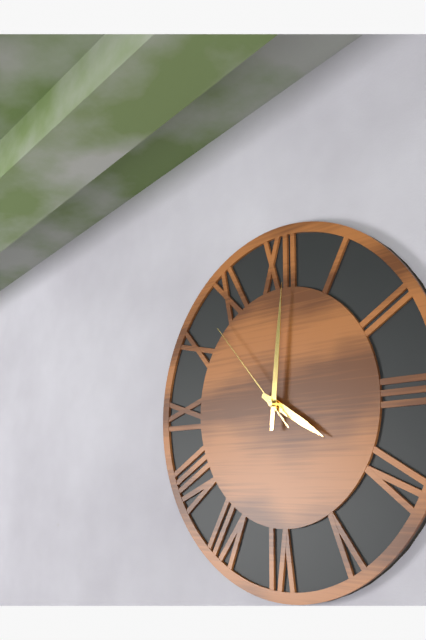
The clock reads 4:01:53
